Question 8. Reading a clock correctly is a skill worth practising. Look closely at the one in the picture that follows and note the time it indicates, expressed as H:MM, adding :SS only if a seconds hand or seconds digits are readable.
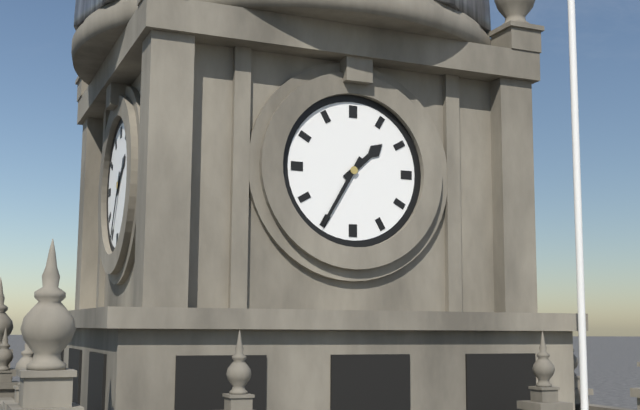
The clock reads 1:35
